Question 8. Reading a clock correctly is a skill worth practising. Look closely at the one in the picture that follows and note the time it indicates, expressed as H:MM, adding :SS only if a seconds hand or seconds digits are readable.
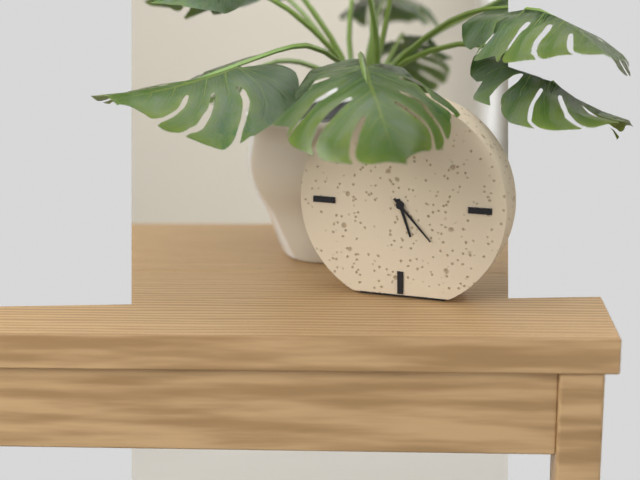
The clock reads 5:23
